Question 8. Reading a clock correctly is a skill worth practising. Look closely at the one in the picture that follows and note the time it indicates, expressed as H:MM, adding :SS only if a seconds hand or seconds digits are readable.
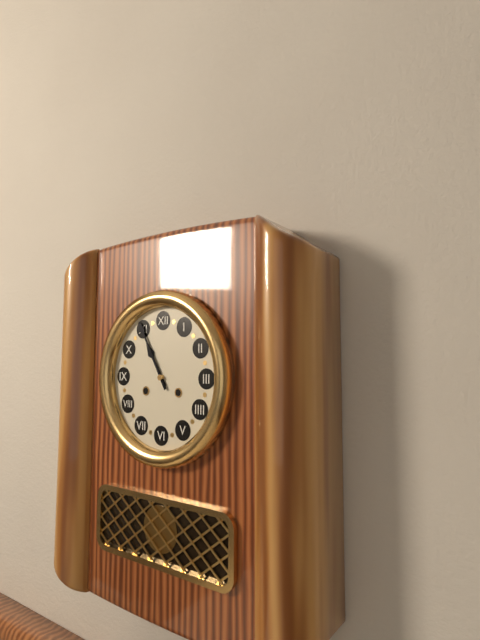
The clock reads 10:55
